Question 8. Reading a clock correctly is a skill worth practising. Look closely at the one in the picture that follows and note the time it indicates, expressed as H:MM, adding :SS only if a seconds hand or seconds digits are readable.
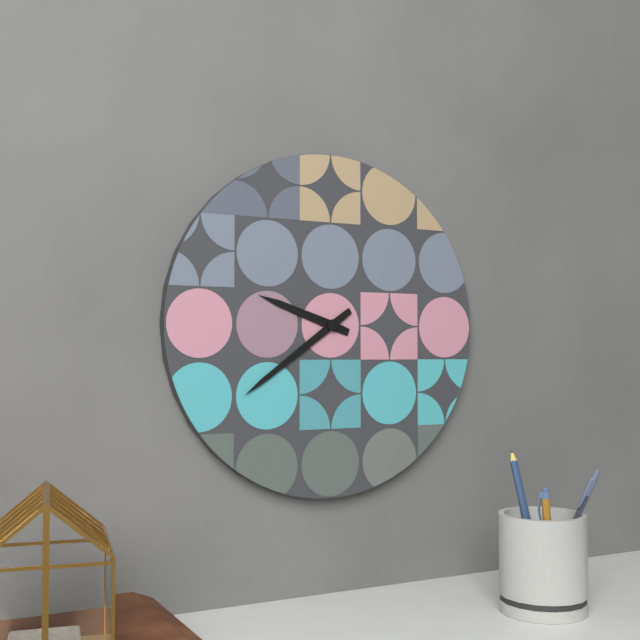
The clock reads 9:39
